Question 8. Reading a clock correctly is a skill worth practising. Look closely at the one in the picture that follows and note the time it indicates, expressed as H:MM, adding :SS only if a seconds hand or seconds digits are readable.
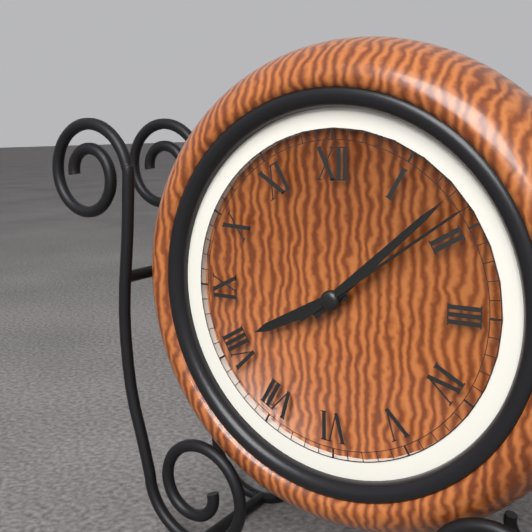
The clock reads 8:08:09
